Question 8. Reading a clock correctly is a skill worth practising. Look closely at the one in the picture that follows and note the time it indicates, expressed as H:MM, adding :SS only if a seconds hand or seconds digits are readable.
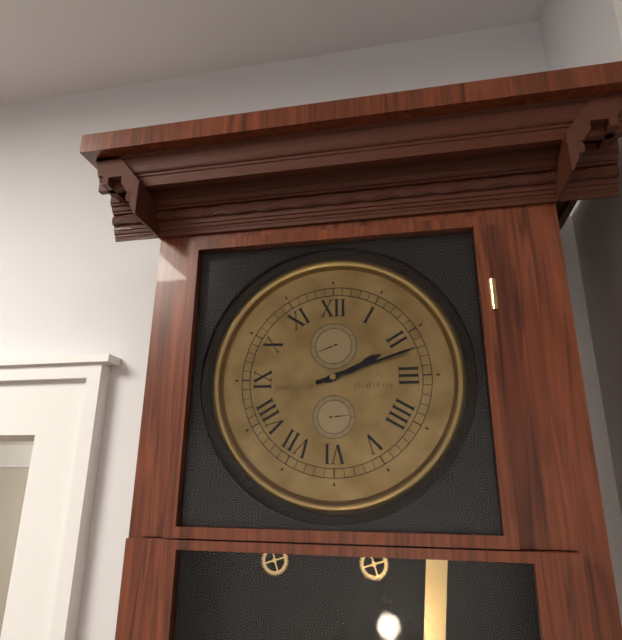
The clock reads 2:12
